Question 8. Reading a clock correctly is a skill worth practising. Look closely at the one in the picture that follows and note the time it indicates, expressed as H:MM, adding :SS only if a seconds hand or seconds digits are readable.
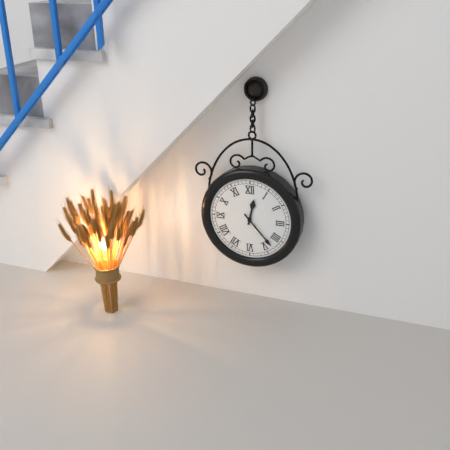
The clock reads 12:23
